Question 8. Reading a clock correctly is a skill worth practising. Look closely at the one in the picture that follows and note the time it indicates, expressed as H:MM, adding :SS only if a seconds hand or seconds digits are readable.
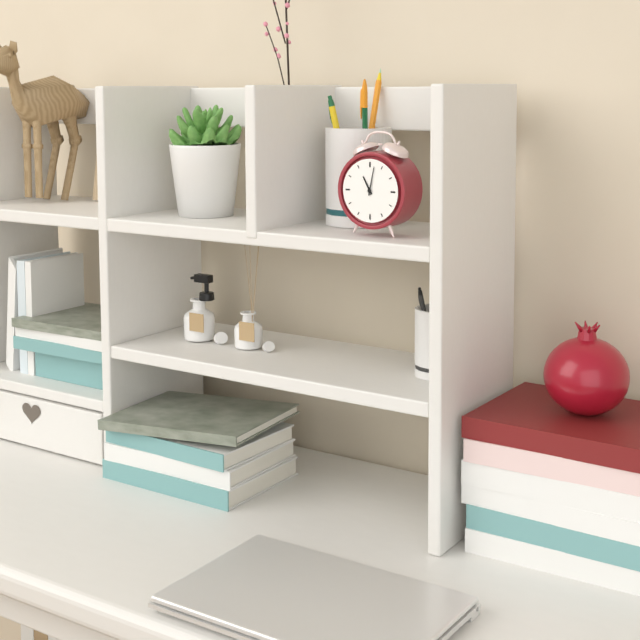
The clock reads 11:02
